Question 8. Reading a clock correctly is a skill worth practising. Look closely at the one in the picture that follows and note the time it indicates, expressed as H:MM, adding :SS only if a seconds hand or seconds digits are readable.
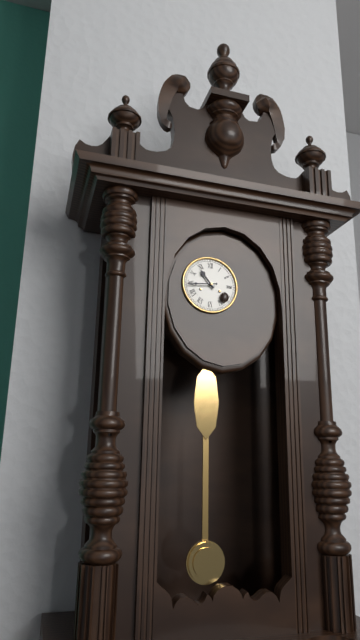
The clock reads 10:44
